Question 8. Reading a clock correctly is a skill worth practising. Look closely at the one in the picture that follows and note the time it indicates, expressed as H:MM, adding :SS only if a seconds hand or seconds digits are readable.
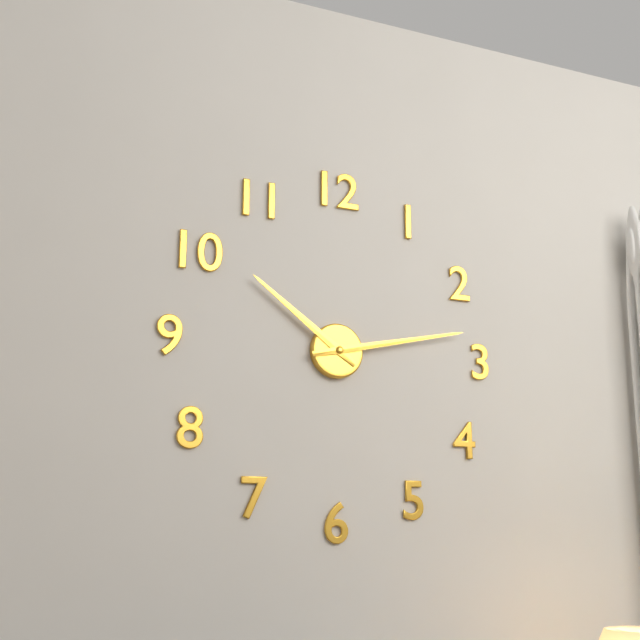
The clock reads 10:13
